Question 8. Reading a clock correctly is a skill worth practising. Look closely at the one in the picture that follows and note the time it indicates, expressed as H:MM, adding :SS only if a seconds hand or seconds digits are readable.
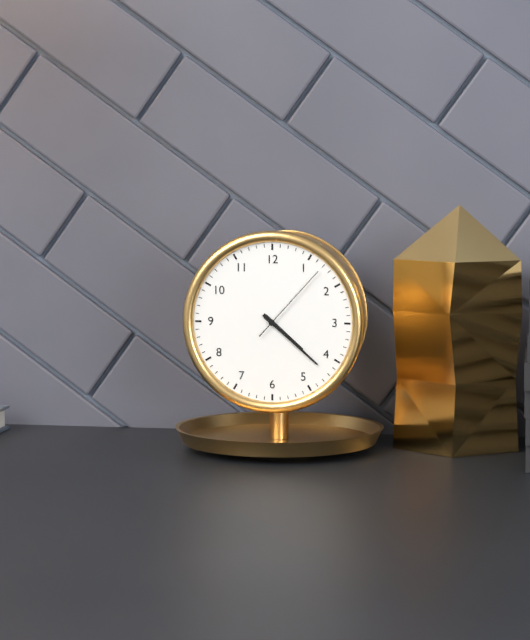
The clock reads 4:22:07
